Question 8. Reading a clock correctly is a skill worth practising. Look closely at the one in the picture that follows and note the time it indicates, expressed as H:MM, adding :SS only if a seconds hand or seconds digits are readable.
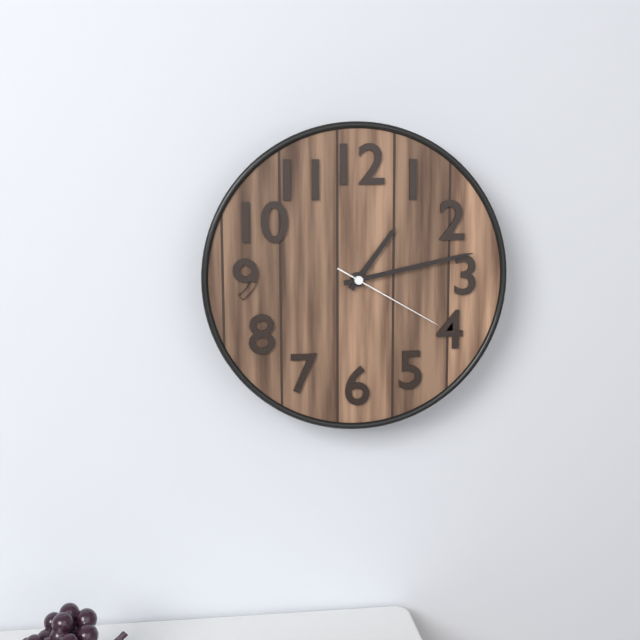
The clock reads 1:13:20
